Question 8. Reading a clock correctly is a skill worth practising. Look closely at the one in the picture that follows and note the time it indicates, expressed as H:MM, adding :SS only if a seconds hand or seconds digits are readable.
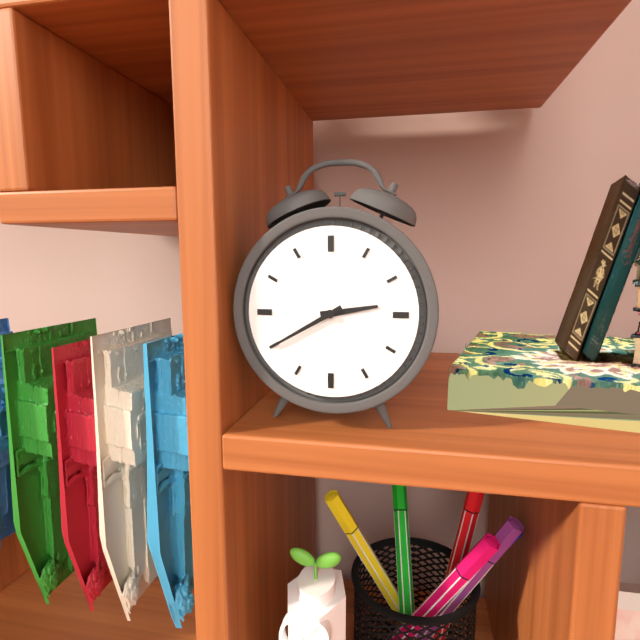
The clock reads 2:40
